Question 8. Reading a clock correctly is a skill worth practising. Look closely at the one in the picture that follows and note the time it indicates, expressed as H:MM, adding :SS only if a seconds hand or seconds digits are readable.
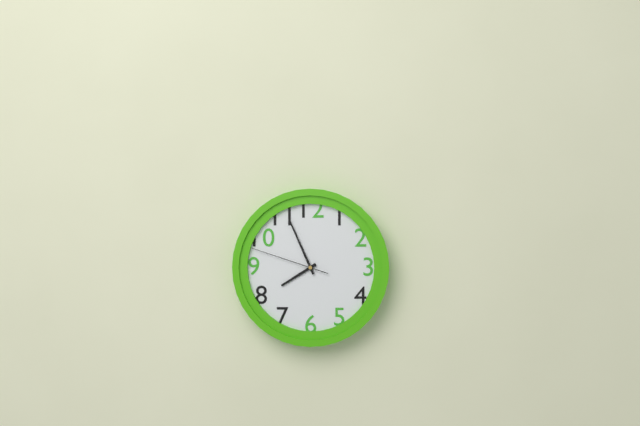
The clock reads 7:56:48
